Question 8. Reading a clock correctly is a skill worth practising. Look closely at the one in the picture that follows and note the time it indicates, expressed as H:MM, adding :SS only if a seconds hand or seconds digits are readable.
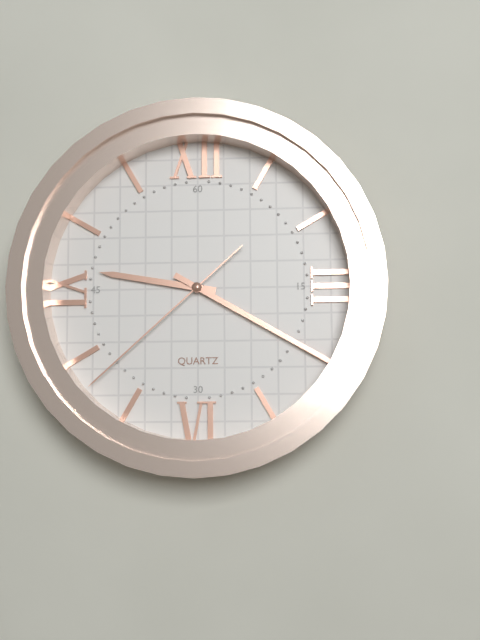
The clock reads 9:20:38
